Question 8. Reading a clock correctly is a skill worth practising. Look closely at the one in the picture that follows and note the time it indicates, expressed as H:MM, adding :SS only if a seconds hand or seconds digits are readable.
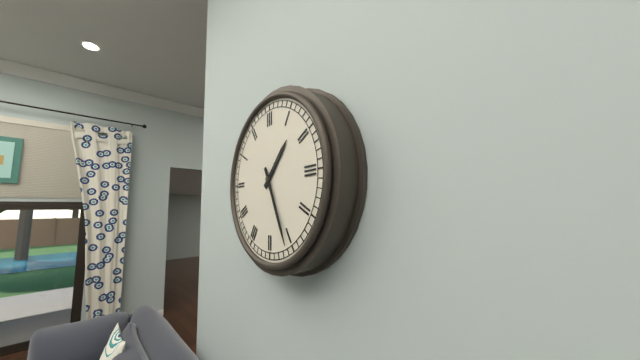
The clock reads 1:26
